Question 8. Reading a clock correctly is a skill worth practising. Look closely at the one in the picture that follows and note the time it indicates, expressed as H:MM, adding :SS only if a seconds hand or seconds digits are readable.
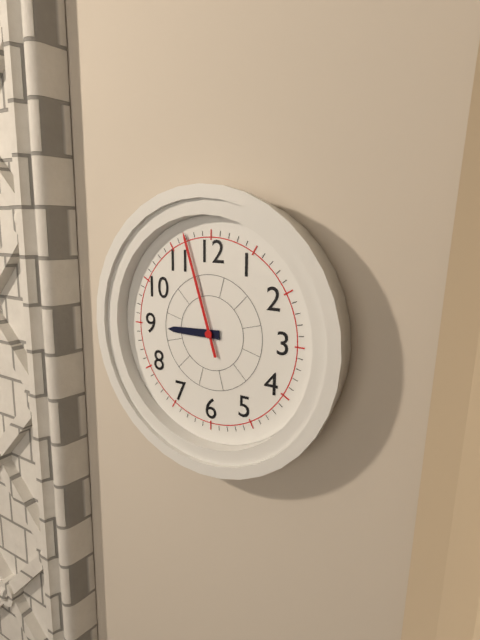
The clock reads 8:57
